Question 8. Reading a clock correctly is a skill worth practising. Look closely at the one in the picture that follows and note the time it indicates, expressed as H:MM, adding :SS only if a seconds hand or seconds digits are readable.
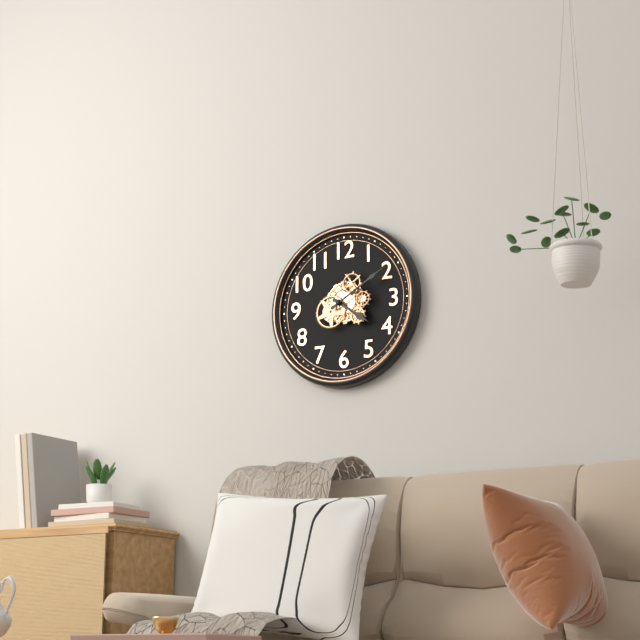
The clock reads 4:10
